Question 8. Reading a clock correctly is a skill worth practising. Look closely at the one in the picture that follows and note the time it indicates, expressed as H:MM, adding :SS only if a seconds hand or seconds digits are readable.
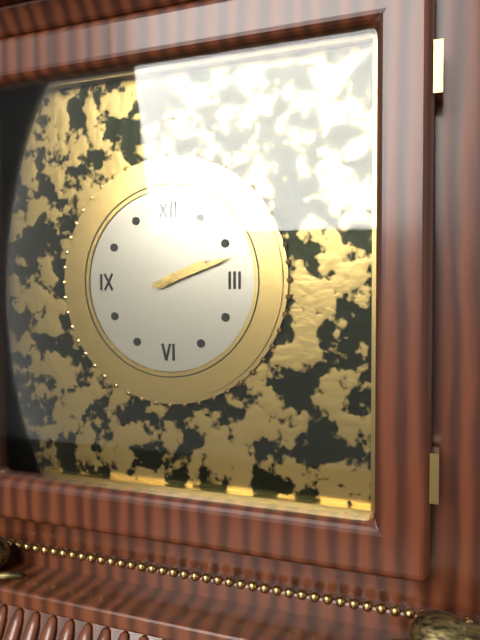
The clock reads 2:12
